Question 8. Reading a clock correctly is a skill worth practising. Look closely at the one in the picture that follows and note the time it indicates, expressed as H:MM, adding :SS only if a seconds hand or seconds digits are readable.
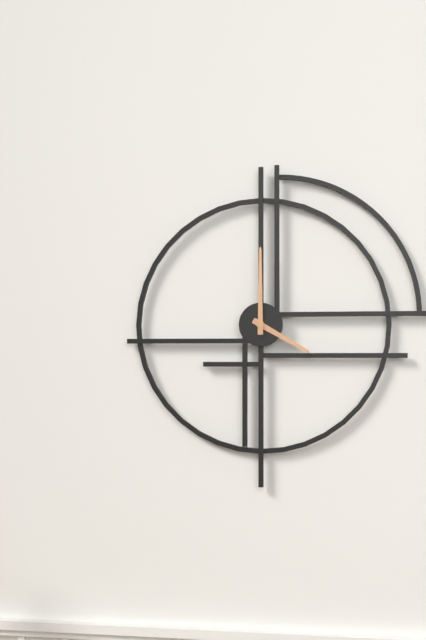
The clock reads 4:00
